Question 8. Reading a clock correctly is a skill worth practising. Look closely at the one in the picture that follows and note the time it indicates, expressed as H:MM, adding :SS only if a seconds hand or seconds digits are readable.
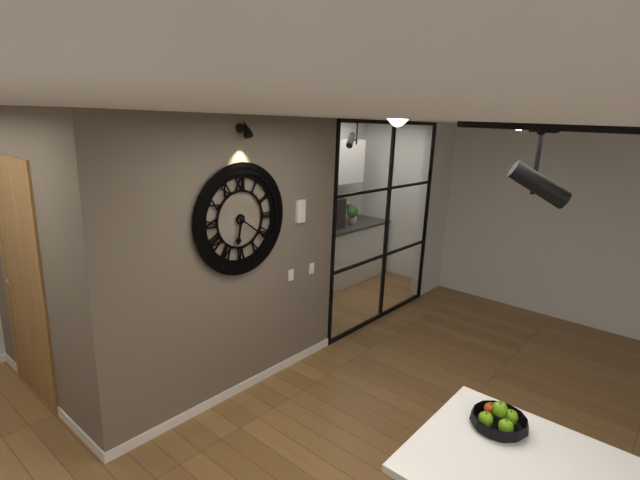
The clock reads 6:21
